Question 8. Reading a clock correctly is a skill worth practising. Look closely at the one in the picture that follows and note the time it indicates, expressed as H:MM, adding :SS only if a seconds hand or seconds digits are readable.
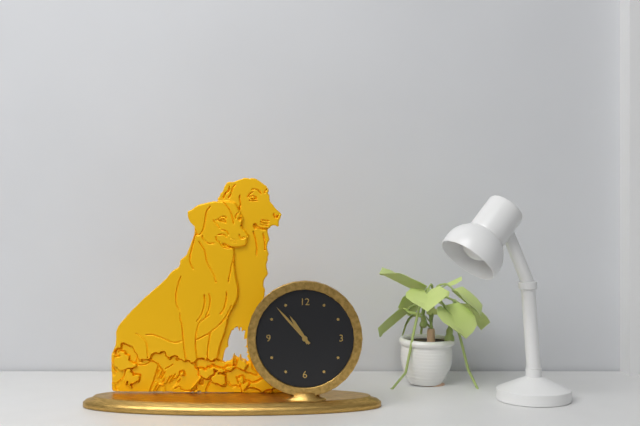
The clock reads 10:53
